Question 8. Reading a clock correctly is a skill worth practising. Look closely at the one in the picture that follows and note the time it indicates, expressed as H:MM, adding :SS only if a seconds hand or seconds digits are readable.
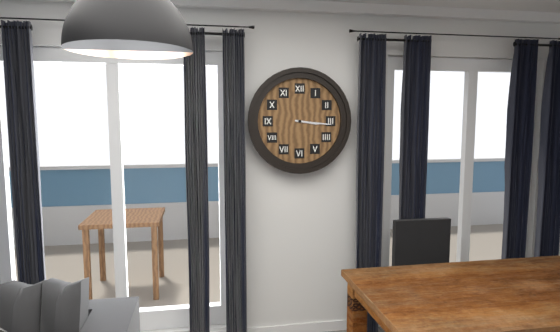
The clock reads 3:16
